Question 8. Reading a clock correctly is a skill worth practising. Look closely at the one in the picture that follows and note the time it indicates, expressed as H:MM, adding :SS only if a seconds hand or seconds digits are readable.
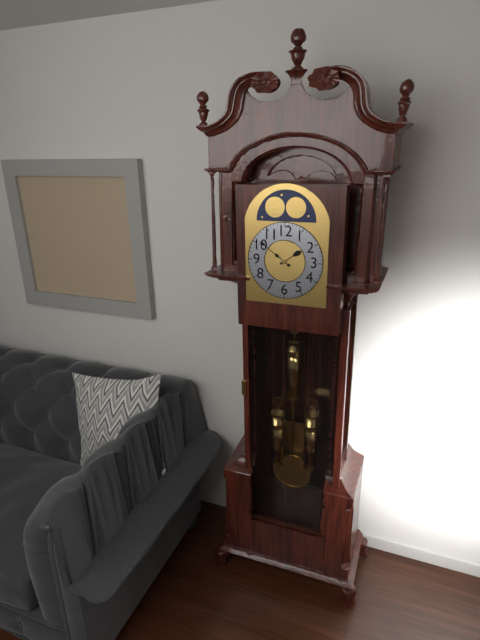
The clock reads 1:51
